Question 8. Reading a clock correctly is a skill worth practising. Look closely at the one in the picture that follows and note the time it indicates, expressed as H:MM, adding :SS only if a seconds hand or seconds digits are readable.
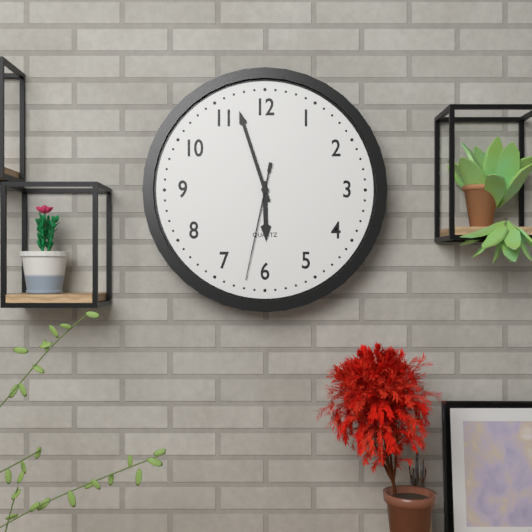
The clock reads 5:57:32
